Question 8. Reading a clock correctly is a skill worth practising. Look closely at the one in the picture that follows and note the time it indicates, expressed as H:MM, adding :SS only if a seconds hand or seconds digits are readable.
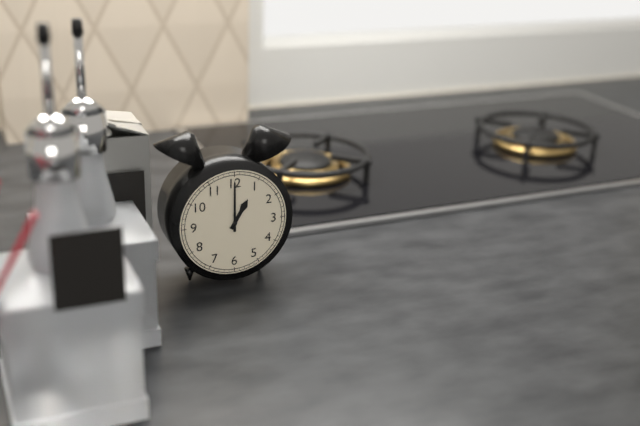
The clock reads 1:00
